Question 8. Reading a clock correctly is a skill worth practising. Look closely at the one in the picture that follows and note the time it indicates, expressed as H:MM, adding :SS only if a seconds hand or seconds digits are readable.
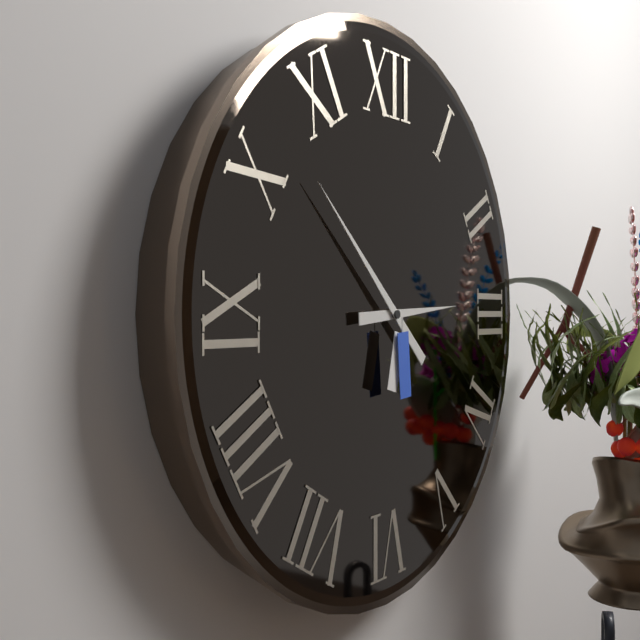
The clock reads 2:52
